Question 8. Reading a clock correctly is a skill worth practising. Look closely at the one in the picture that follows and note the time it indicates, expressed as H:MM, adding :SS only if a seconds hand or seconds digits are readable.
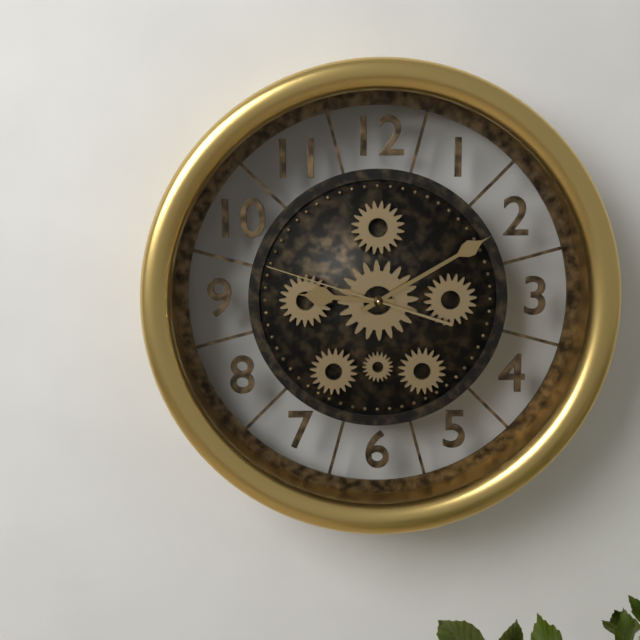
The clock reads 9:10:48
